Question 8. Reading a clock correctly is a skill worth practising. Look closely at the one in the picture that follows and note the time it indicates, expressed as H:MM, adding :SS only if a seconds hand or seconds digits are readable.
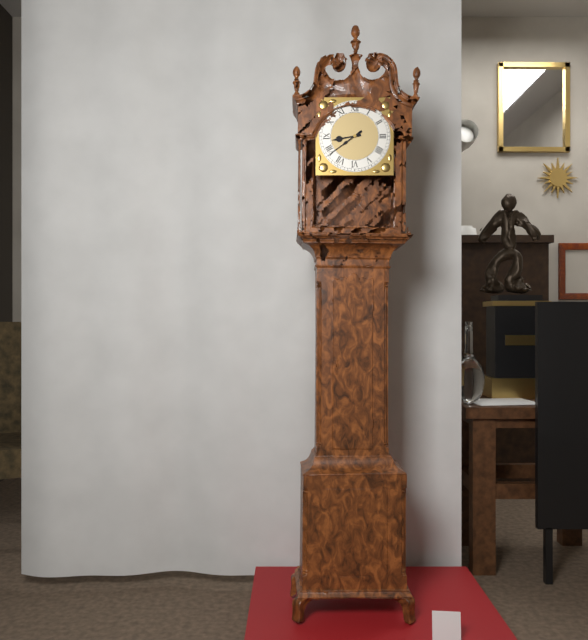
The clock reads 8:39
